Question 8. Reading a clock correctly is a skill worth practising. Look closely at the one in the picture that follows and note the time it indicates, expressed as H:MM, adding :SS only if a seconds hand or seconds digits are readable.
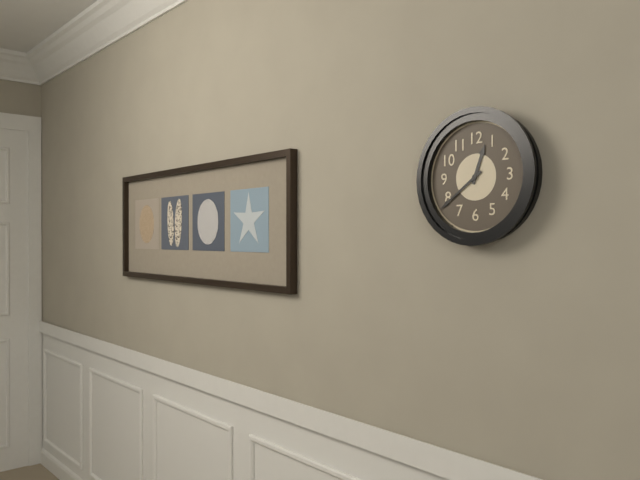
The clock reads 12:39
